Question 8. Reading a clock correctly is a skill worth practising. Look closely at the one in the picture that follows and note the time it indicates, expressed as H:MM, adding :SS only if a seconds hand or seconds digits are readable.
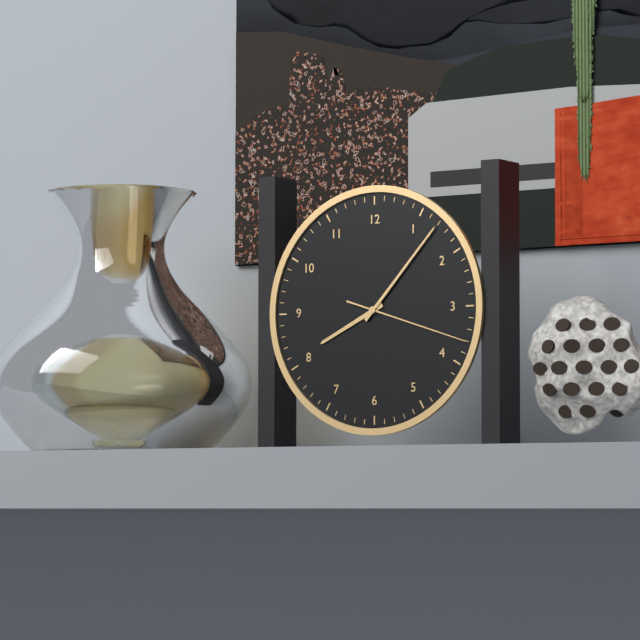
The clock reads 8:07:18
